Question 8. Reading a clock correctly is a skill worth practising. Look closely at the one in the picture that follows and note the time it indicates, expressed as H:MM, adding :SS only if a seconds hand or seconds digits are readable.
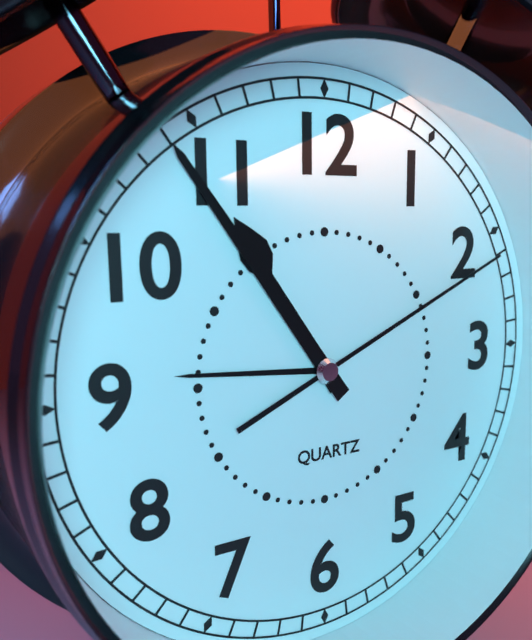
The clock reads 10:54:11
